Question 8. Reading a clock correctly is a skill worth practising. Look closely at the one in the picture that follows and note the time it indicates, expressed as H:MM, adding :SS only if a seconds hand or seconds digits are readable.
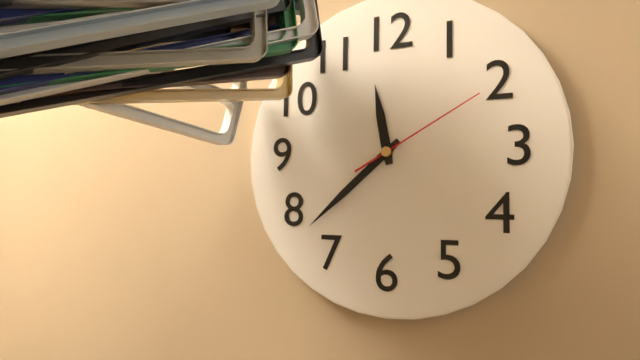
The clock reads 11:38:10
